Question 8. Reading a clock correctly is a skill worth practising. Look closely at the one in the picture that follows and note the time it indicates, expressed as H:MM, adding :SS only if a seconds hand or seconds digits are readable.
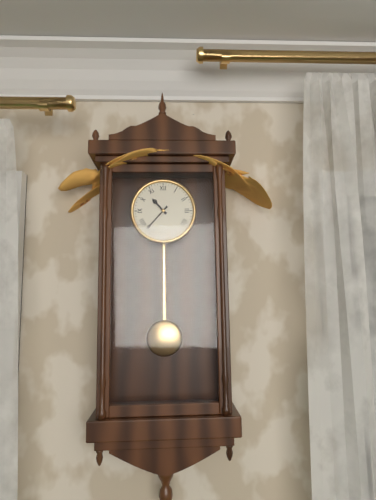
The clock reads 10:37
